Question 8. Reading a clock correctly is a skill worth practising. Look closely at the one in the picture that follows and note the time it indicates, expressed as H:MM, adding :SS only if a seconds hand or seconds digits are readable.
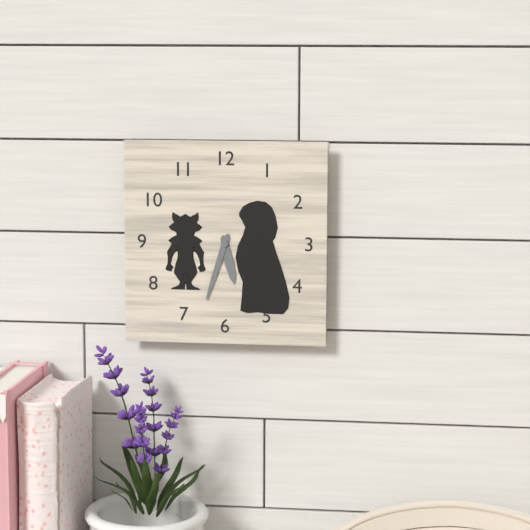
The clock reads 5:33
